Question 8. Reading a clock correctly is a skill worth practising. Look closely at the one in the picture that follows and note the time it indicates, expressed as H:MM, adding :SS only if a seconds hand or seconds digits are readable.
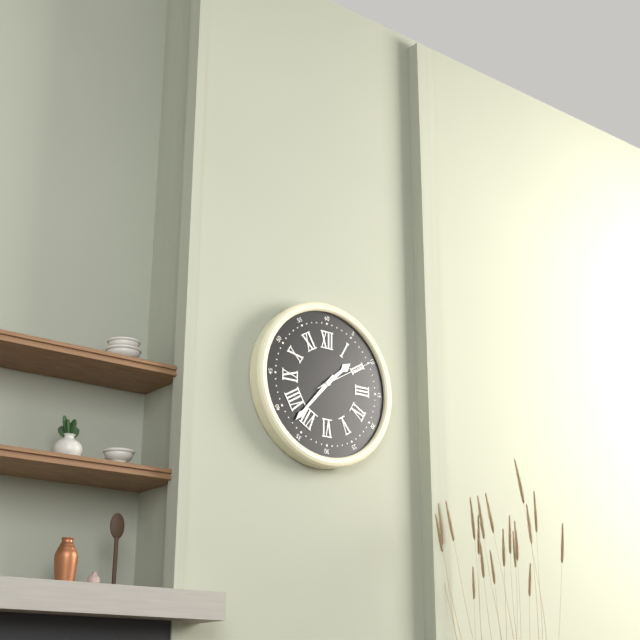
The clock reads 1:37:10
